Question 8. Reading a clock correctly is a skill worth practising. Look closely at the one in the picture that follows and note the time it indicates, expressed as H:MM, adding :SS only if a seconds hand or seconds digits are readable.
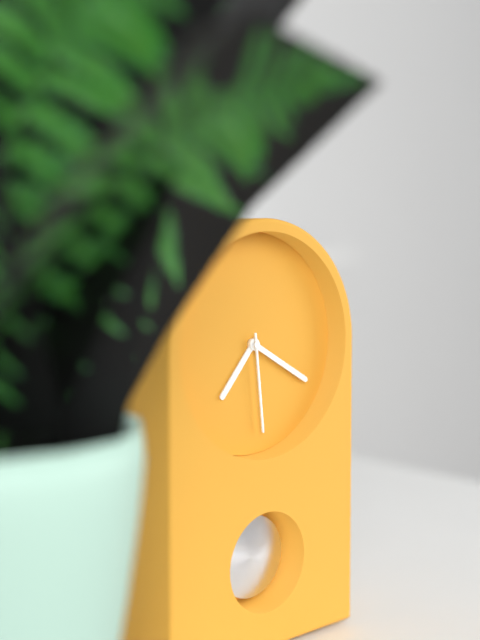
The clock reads 7:20:29
